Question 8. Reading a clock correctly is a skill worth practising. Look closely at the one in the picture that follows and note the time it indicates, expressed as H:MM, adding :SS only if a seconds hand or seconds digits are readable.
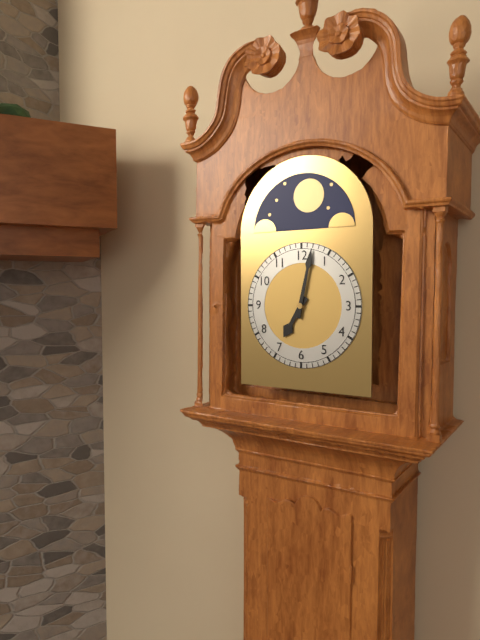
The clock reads 7:02
